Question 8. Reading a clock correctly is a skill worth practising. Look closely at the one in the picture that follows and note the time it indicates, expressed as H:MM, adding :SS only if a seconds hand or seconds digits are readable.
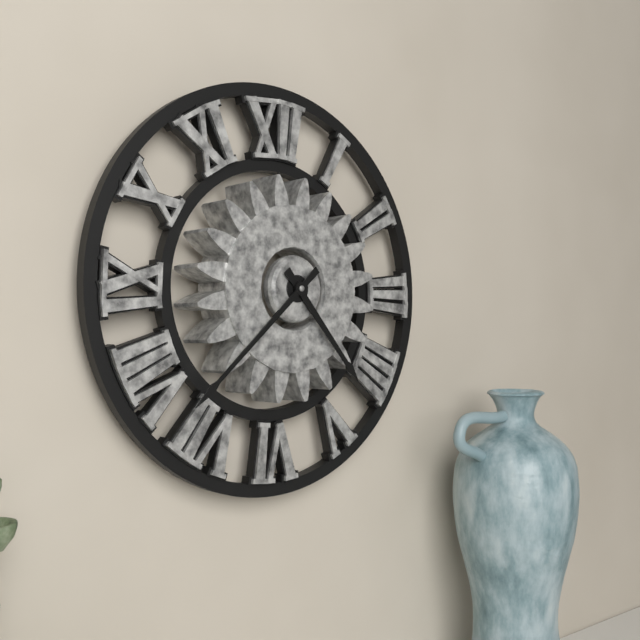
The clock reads 4:38
